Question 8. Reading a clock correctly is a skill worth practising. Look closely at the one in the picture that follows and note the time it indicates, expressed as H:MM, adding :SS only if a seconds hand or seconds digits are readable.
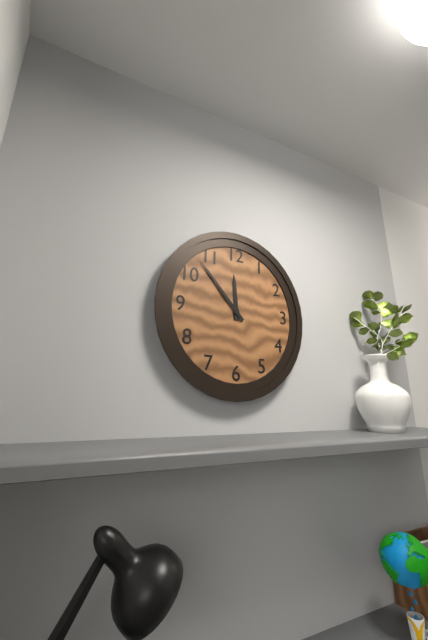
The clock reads 11:53
